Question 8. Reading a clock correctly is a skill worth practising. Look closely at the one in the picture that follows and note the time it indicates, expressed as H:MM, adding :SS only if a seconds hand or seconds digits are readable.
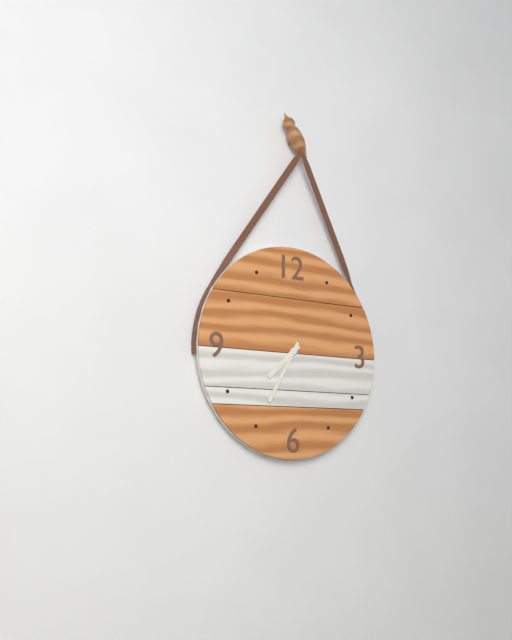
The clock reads 7:35
